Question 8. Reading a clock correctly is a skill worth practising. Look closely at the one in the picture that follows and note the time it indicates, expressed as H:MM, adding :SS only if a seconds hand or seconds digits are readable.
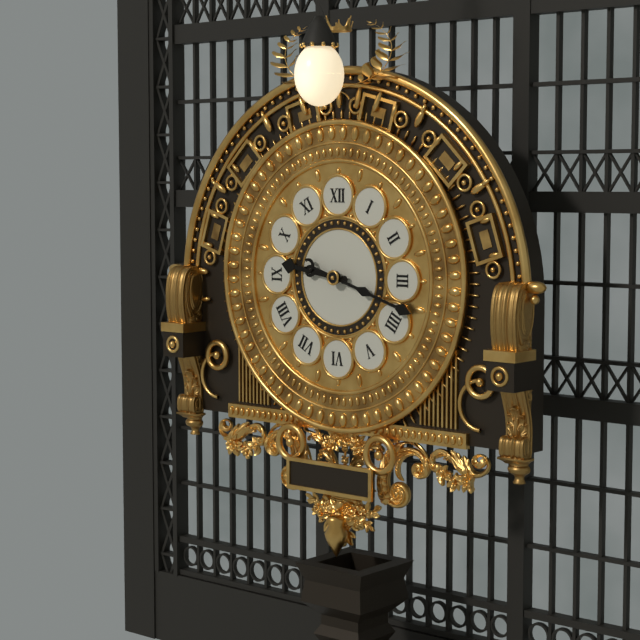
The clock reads 9:18
